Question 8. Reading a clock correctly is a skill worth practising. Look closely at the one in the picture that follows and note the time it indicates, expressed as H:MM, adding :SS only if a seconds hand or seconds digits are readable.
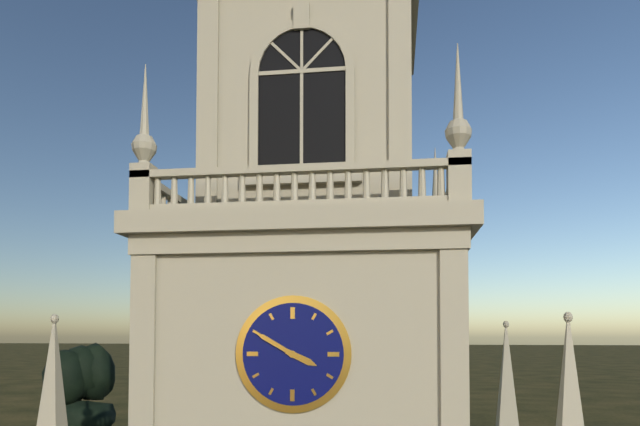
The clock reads 3:50
